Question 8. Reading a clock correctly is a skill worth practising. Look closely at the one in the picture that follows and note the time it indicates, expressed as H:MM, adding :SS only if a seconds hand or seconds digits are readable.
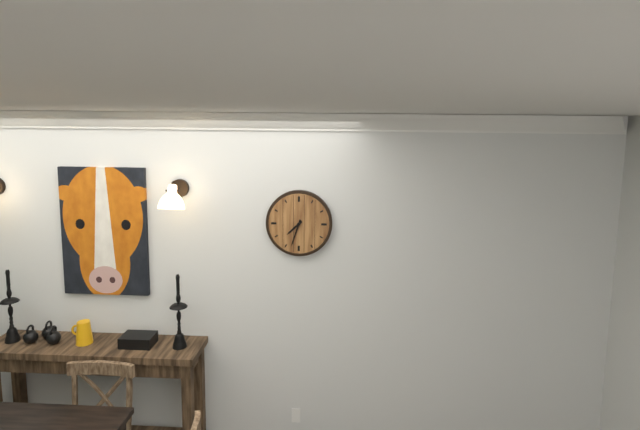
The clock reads 7:33
